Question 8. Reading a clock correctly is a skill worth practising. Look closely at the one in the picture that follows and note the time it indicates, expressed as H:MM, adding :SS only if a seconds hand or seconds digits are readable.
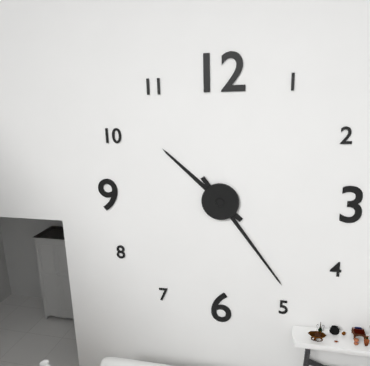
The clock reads 10:24
